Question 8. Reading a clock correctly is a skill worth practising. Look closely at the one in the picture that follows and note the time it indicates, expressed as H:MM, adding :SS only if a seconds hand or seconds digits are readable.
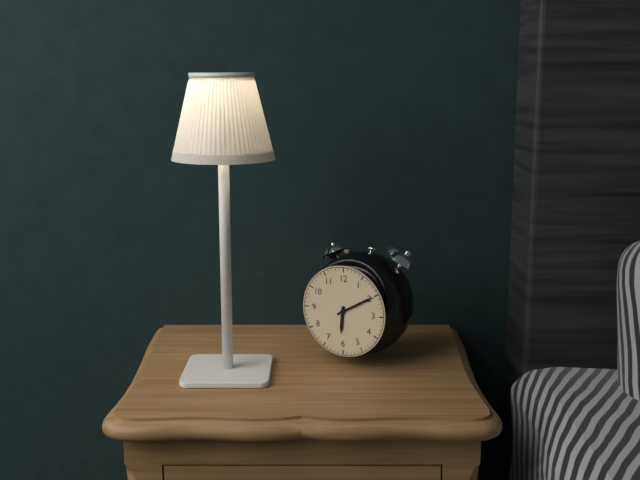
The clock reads 6:10
